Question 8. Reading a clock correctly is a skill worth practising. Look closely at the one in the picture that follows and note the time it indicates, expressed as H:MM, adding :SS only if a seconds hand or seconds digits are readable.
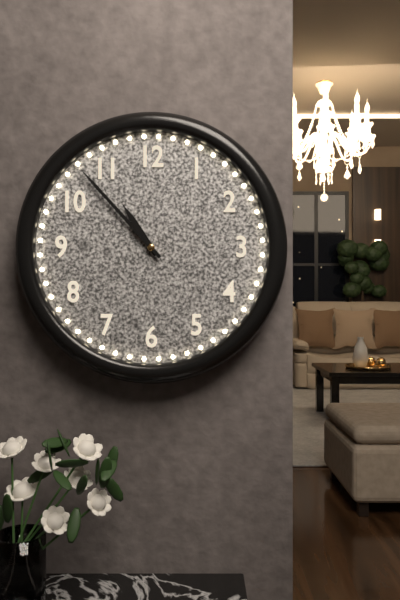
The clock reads 10:53
